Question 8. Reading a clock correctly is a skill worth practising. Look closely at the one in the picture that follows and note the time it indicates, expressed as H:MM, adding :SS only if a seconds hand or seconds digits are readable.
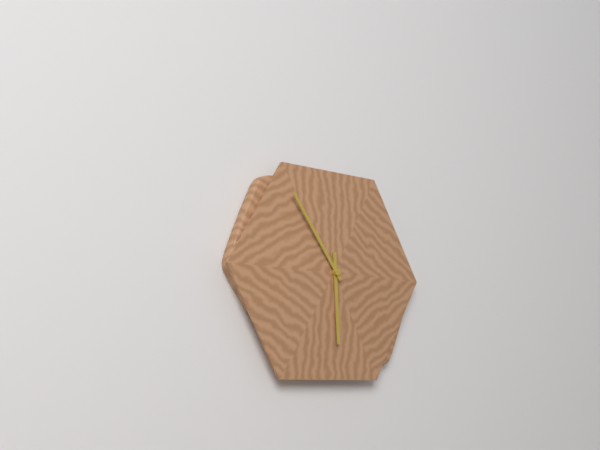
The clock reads 5:54
